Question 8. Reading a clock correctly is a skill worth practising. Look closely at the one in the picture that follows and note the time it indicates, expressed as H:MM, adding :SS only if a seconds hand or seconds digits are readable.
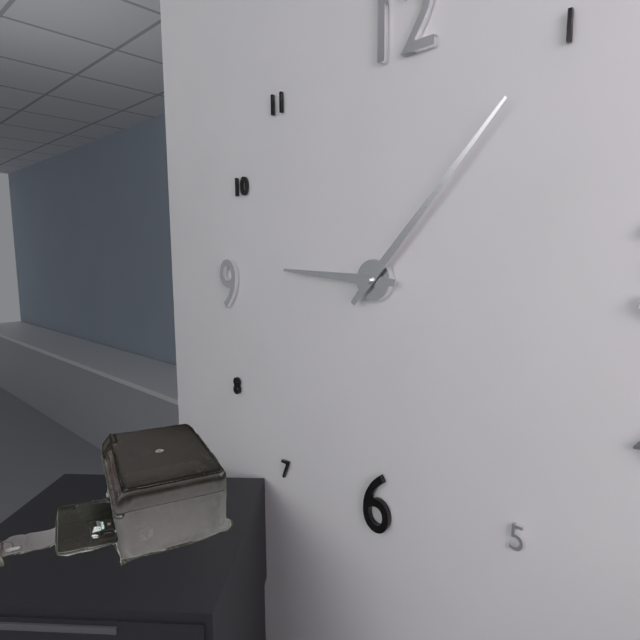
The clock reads 9:07
